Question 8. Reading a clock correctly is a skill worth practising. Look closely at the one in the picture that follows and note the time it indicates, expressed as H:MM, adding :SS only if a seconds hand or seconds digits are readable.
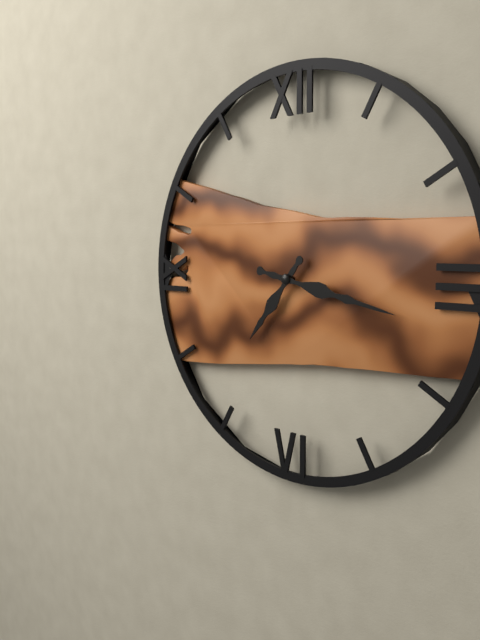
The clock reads 7:17
